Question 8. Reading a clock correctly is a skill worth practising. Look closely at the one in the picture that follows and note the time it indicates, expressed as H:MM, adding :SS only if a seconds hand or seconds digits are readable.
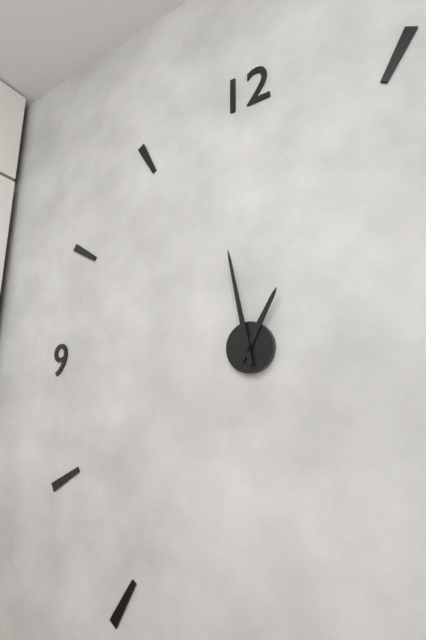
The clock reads 12:58
